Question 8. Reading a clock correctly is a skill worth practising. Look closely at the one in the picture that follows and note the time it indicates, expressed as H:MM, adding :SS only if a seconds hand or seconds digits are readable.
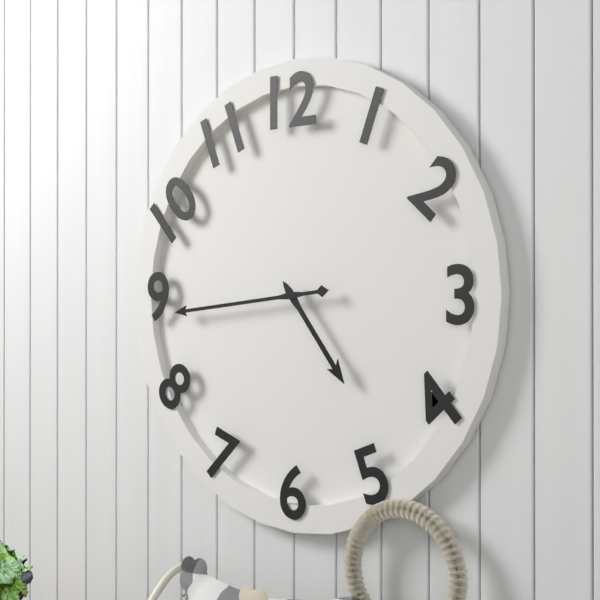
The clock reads 4:44
